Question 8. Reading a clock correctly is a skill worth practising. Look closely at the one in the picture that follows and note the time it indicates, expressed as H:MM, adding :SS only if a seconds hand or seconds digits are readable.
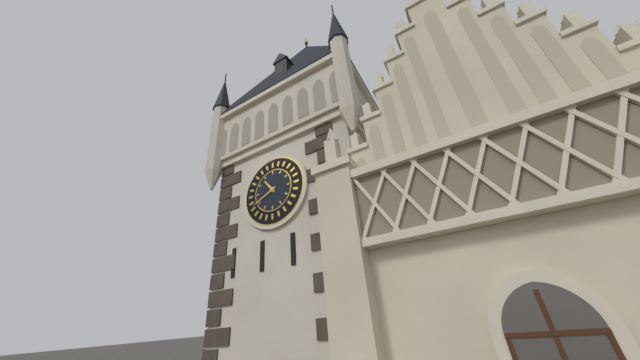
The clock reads 10:41
